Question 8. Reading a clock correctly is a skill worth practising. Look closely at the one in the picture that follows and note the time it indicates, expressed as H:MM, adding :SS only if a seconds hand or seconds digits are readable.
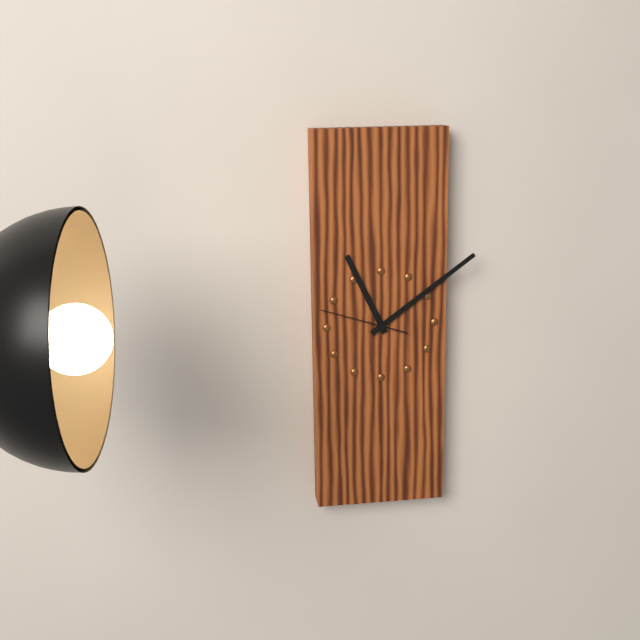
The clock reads 11:09:48
